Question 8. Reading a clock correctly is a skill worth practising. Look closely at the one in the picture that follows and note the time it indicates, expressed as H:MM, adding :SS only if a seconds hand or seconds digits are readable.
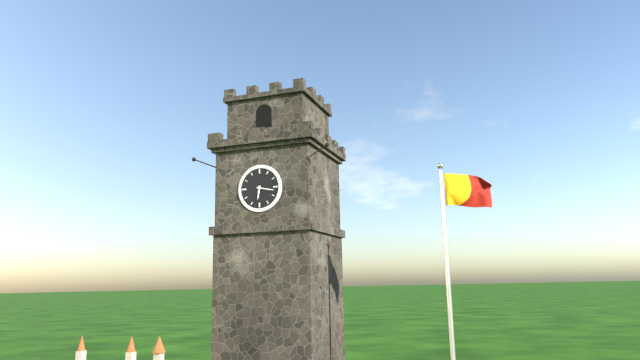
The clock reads 6:17
